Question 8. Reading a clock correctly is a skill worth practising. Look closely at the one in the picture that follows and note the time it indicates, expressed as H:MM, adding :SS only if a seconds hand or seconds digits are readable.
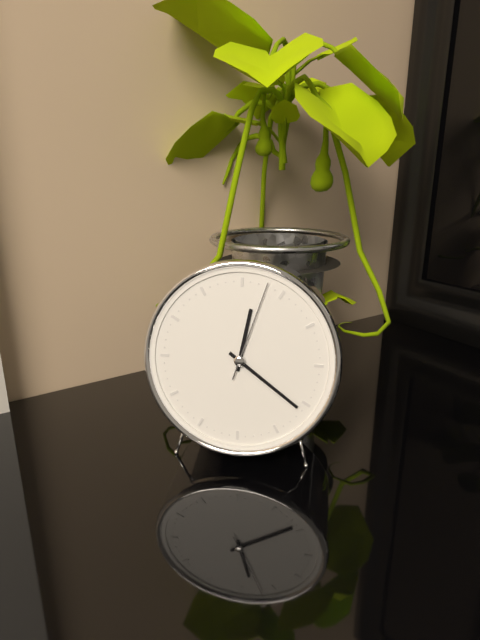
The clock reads 12:21:03
